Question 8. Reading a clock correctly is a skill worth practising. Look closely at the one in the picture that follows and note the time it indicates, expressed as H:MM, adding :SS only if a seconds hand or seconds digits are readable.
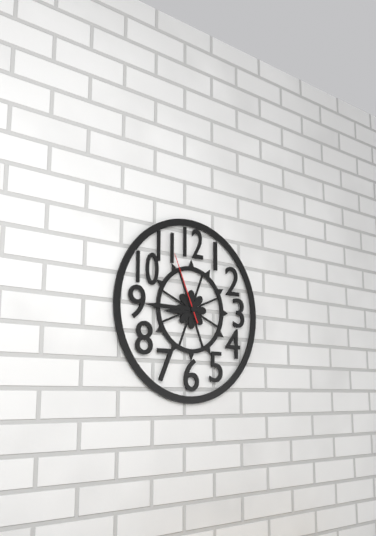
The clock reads 8:45:56
